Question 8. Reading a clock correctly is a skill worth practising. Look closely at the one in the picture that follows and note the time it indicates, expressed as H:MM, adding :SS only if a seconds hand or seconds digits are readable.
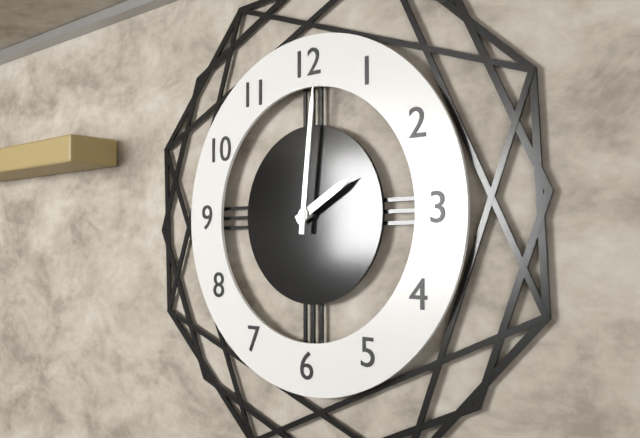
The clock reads 2:01
